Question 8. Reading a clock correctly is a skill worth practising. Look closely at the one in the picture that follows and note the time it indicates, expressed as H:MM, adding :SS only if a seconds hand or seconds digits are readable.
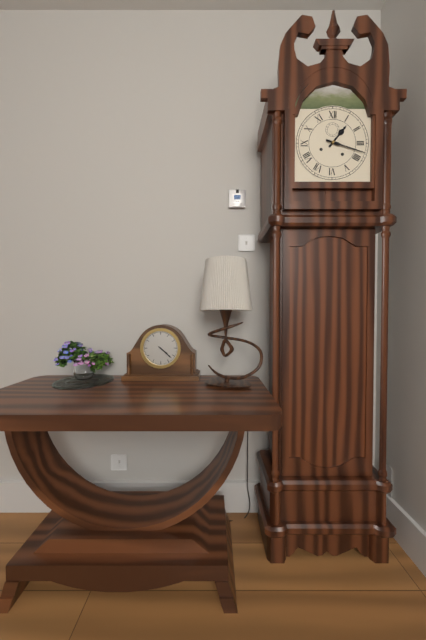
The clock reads 1:18
